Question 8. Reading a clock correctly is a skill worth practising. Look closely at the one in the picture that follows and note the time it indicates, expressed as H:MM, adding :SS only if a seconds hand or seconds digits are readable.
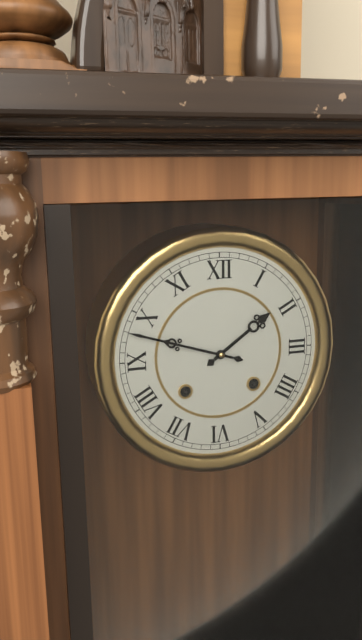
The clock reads 1:48
